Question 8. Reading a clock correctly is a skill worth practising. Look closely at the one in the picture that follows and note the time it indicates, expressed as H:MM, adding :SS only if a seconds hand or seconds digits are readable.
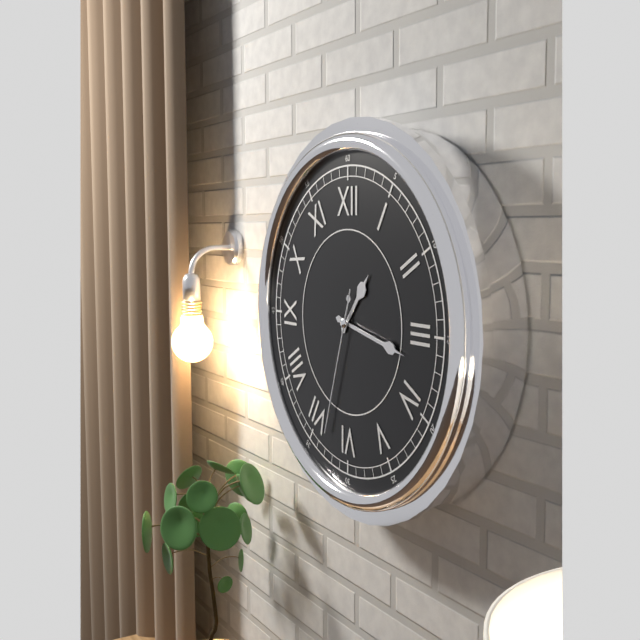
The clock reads 1:17:33
